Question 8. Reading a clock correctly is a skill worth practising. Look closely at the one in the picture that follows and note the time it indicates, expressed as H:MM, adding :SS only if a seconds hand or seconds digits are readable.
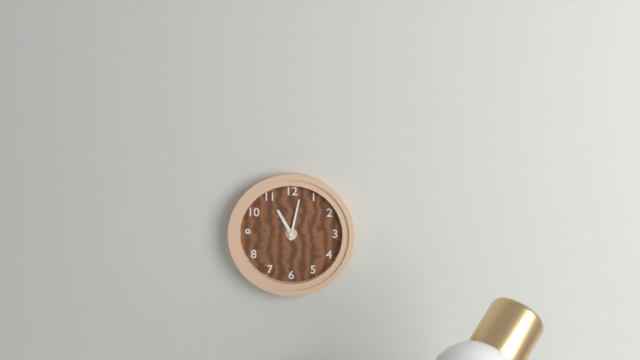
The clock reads 11:02
